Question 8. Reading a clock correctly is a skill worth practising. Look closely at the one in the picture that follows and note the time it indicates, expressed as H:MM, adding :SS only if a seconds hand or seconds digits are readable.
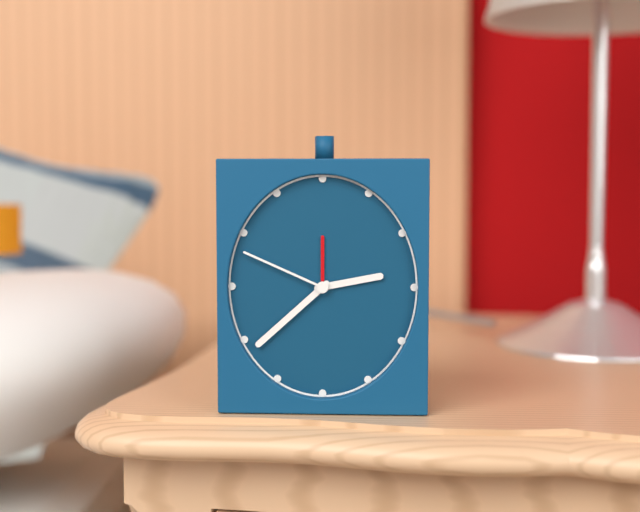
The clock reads 2:38:49
